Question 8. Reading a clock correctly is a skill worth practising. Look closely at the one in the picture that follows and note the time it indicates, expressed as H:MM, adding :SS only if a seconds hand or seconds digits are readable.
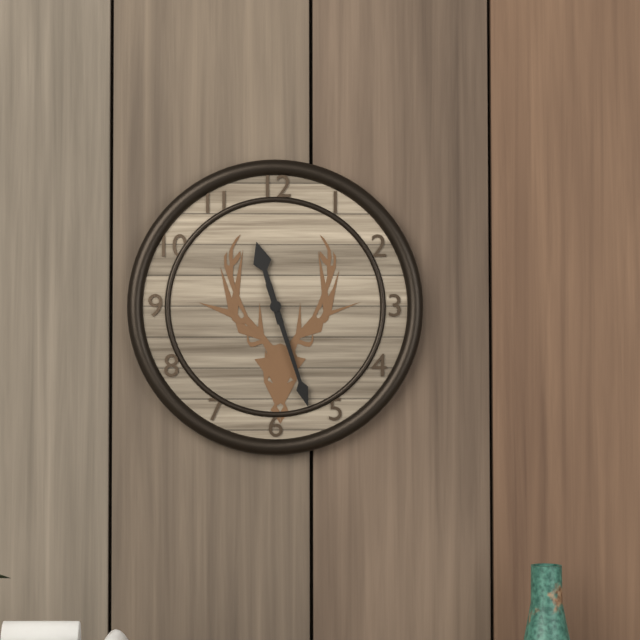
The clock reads 11:27
